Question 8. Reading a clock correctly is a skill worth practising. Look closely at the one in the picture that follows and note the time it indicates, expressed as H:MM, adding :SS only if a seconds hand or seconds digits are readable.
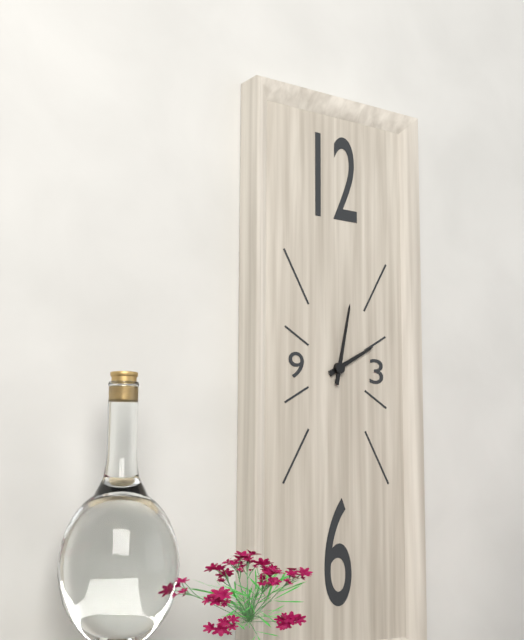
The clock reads 2:02
